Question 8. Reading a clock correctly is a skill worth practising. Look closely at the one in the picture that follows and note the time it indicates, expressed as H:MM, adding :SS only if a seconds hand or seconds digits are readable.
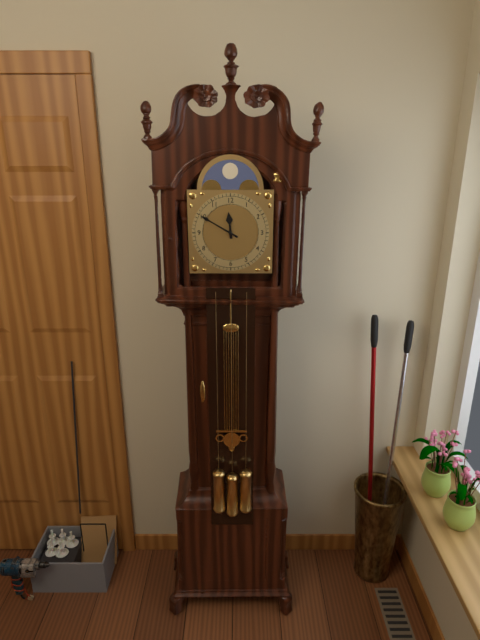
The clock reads 11:50
